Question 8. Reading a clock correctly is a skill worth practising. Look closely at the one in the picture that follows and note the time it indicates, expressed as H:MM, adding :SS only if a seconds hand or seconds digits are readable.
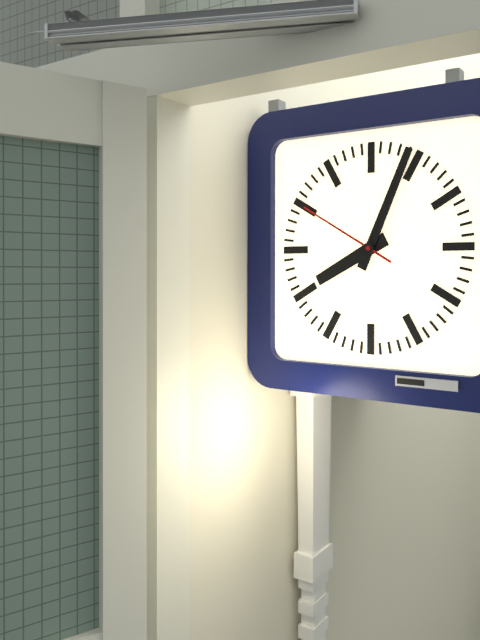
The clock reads 8:04:50
